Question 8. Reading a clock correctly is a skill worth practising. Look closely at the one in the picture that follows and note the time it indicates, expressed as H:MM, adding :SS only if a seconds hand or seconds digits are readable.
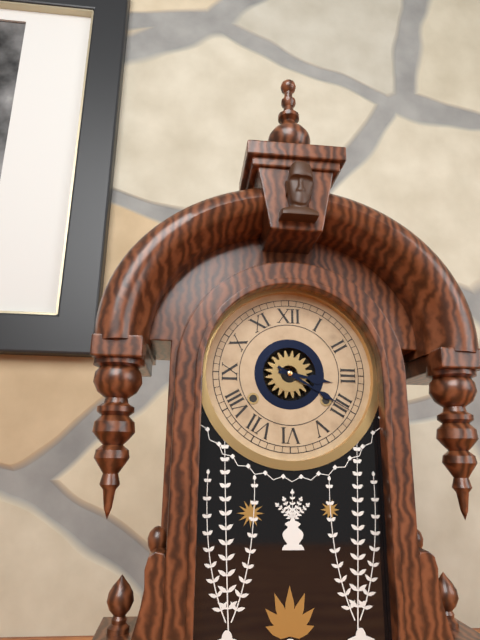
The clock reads 3:20
